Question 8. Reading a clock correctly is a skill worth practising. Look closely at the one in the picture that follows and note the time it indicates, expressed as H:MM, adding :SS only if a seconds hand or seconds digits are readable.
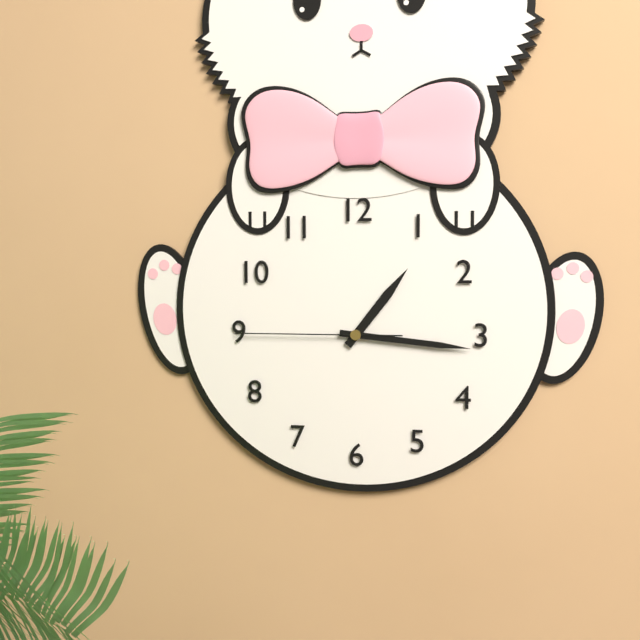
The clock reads 1:16:45
